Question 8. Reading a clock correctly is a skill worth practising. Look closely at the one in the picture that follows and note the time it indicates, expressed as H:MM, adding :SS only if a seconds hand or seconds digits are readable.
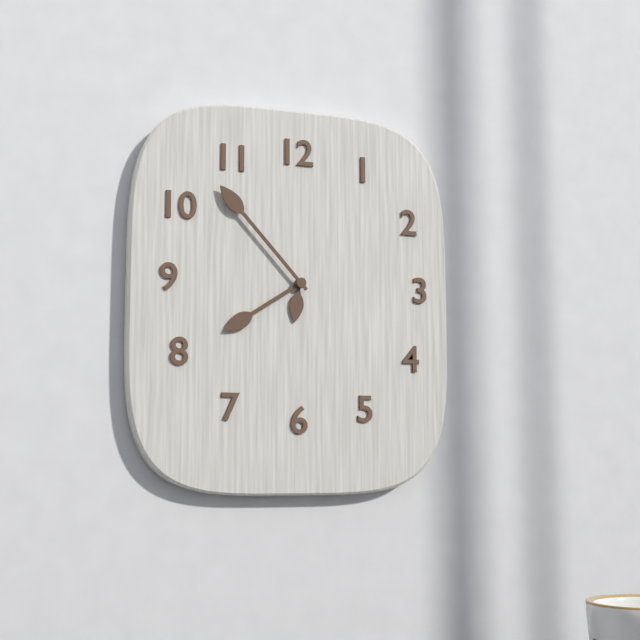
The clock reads 7:53
